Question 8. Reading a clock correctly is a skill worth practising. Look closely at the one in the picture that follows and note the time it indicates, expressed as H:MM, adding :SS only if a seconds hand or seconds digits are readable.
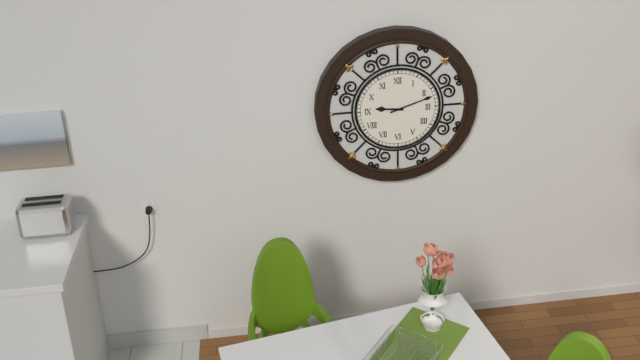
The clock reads 9:12
